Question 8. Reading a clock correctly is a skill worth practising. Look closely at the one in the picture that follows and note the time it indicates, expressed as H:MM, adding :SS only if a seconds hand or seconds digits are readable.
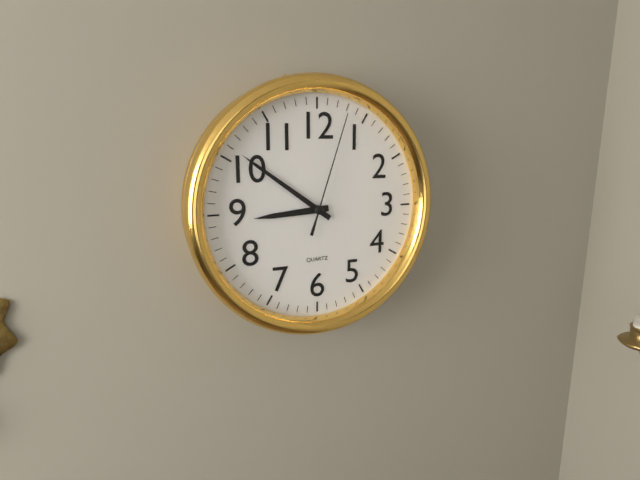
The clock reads 8:51:03
